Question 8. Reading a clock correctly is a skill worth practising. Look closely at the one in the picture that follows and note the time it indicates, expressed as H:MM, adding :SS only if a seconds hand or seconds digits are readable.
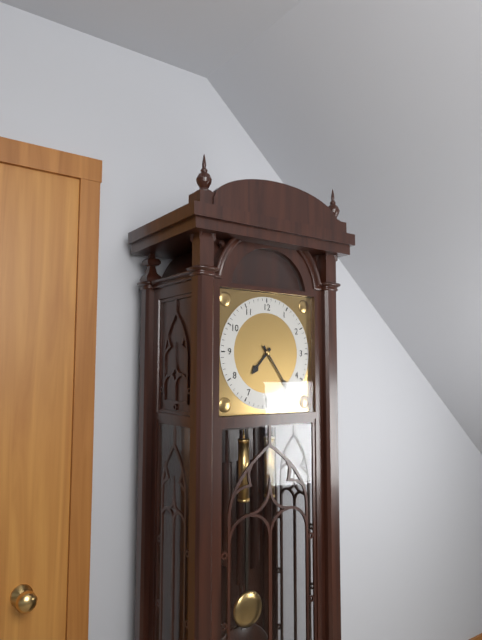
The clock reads 7:24
